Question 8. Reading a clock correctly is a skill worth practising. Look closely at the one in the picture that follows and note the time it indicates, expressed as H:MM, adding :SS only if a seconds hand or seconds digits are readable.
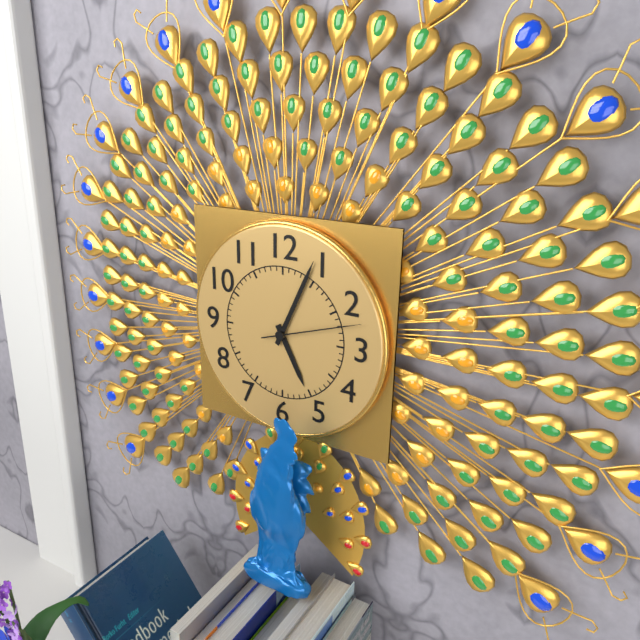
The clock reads 5:04:12
